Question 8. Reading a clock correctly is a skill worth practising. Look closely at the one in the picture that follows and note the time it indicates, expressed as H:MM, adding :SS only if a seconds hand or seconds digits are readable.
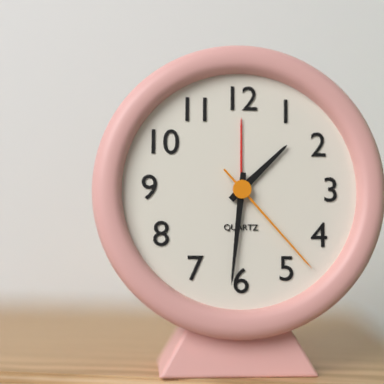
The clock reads 1:31:23
